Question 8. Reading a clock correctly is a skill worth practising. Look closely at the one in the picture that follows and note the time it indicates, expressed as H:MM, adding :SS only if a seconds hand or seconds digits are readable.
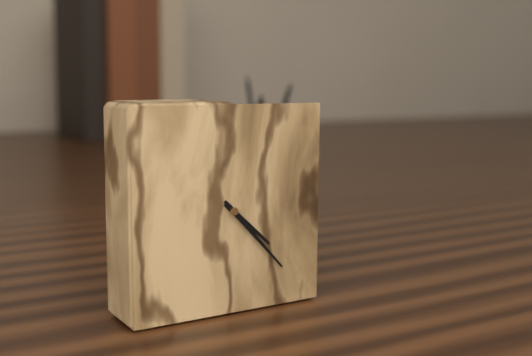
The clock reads 4:23
